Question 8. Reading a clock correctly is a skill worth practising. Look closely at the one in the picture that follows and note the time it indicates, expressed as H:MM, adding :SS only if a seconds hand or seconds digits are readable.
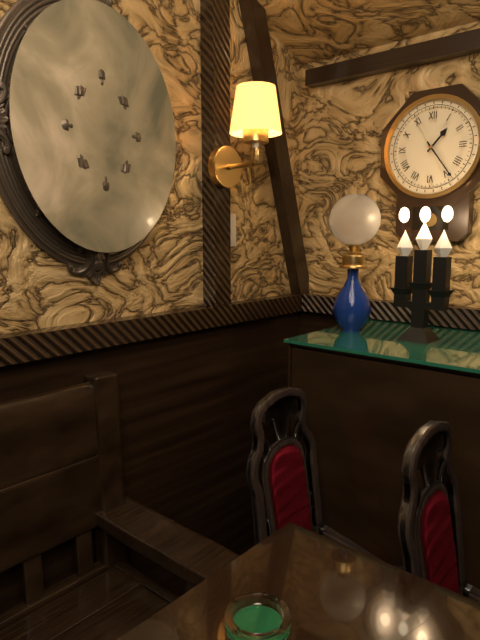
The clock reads 1:24
